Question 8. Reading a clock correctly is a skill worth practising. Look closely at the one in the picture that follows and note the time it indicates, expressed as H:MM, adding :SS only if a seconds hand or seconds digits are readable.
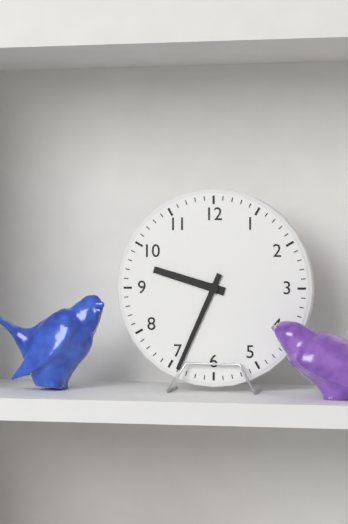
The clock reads 9:34
